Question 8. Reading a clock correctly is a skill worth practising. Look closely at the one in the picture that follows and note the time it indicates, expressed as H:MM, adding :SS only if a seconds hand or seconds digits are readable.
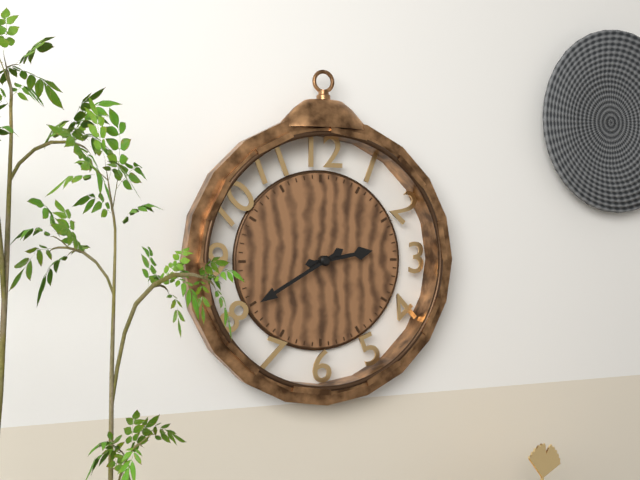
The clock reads 2:40
